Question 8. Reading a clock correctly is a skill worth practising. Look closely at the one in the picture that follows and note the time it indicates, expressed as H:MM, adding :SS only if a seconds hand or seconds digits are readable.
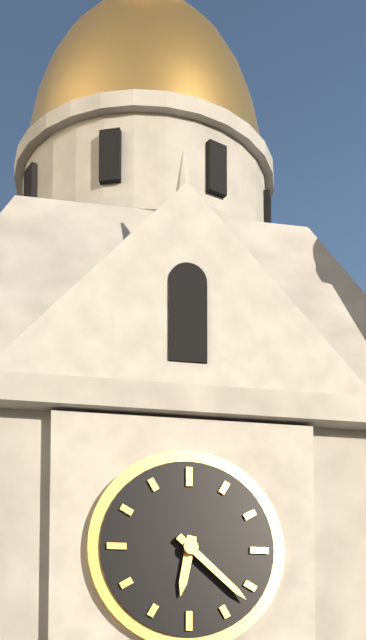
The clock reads 6:22
